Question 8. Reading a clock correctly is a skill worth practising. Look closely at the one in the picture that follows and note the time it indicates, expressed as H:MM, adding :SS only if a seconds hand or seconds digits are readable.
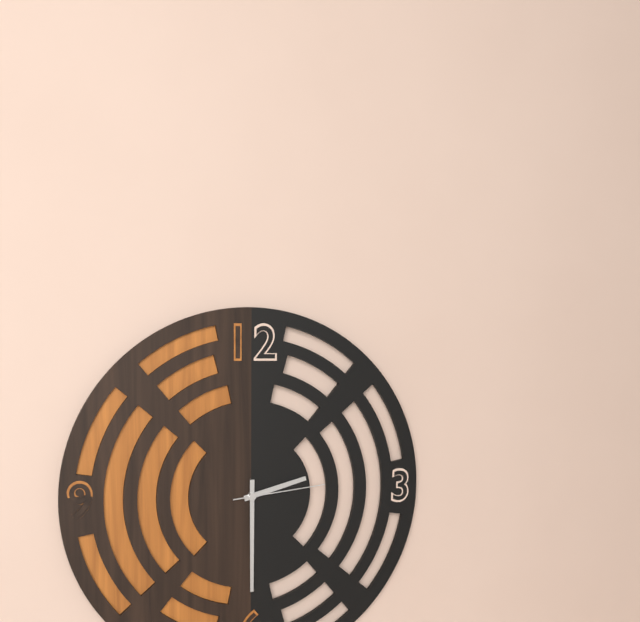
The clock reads 2:30:14
